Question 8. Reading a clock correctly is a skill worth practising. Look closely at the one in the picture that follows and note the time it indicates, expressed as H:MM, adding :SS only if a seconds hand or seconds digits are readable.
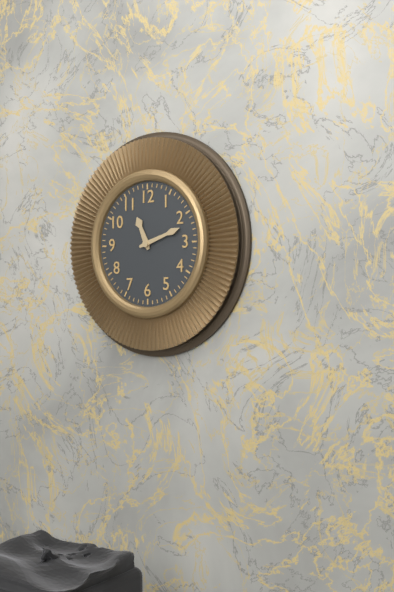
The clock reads 11:12
